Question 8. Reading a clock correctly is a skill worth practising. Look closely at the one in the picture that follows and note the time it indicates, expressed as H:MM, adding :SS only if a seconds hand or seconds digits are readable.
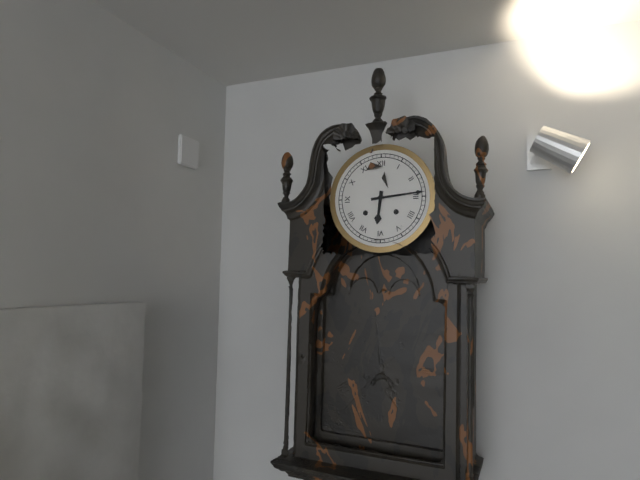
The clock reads 6:14
